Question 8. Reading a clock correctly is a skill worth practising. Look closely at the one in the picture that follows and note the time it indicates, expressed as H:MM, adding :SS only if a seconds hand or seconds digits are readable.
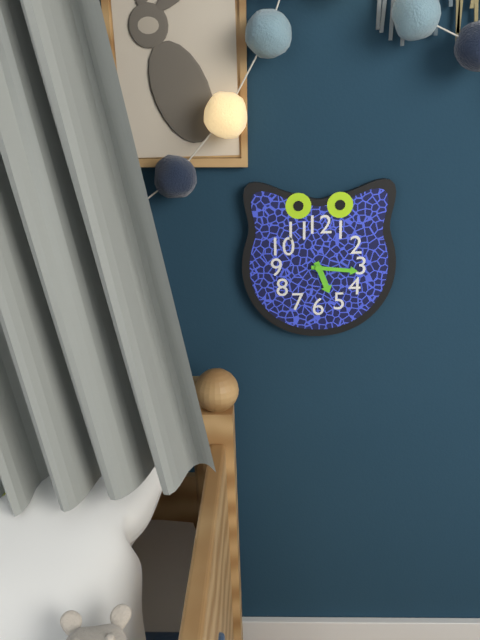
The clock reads 5:16
